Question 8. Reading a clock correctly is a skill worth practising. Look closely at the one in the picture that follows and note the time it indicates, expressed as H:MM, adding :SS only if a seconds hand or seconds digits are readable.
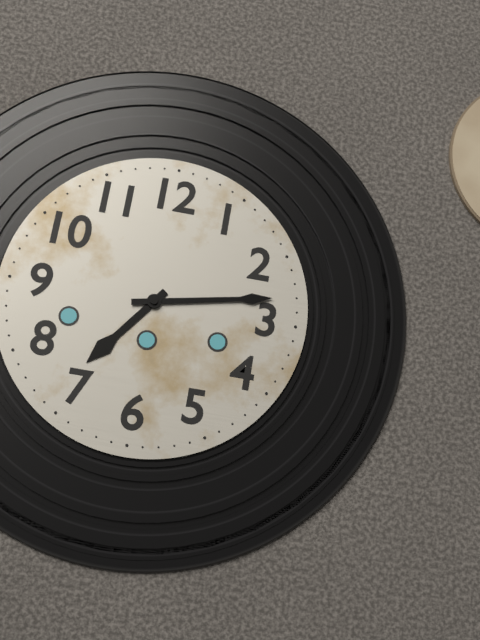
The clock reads 7:13
